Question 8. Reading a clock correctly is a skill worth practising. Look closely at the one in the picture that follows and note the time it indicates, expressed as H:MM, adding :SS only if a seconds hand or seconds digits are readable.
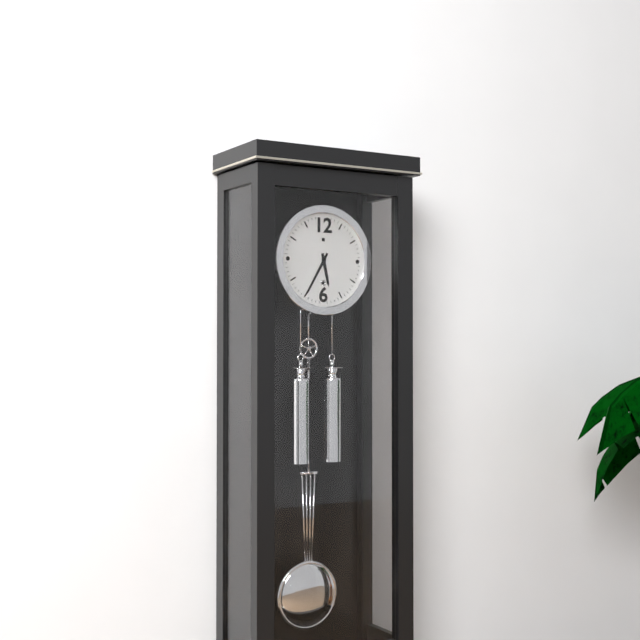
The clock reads 5:35
